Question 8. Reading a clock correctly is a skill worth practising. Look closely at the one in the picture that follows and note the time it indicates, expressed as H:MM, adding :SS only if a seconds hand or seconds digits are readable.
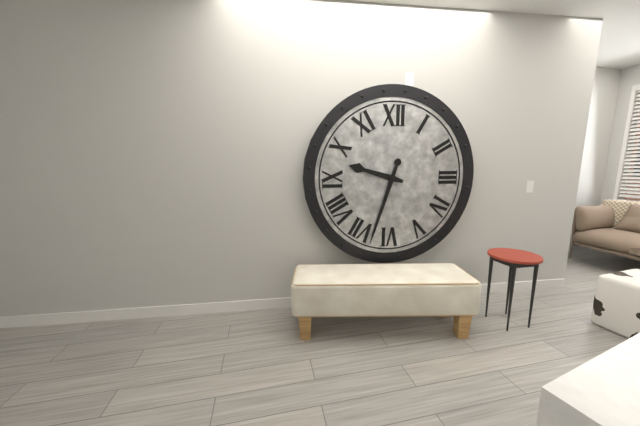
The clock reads 9:33
